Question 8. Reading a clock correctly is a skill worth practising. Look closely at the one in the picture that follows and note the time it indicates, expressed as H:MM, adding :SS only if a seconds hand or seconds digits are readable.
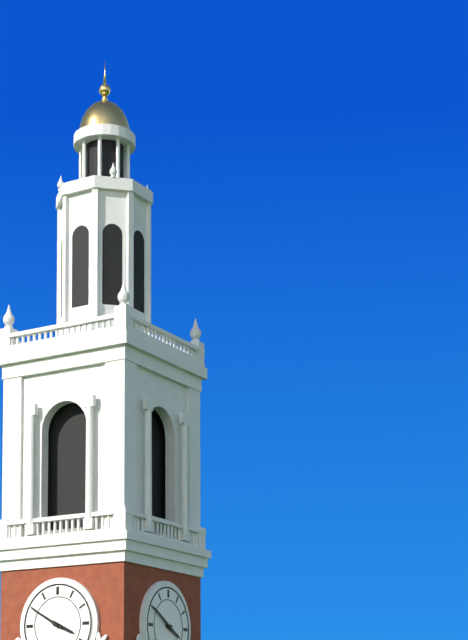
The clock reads 3:50
